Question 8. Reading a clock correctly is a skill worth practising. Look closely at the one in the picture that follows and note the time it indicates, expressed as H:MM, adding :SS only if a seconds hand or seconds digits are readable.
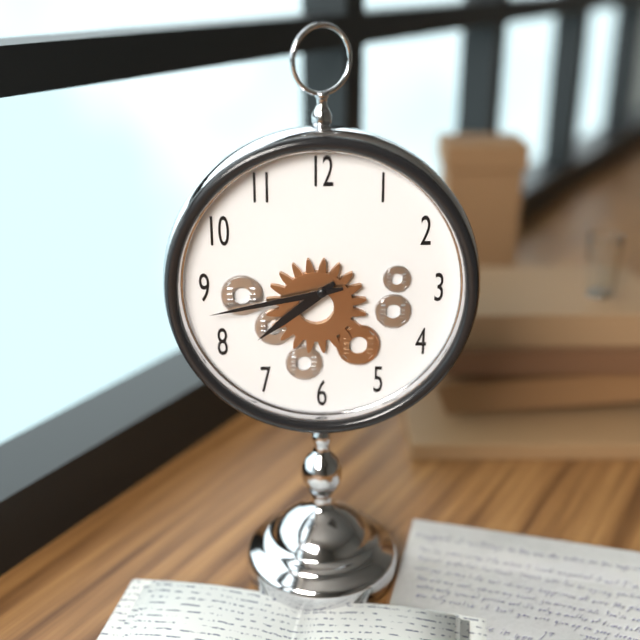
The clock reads 7:43
